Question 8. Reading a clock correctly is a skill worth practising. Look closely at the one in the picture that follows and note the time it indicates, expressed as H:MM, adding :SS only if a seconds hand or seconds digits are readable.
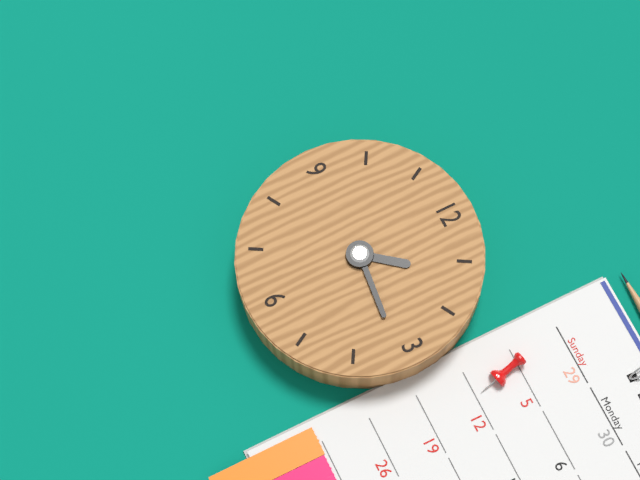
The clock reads 1:16
